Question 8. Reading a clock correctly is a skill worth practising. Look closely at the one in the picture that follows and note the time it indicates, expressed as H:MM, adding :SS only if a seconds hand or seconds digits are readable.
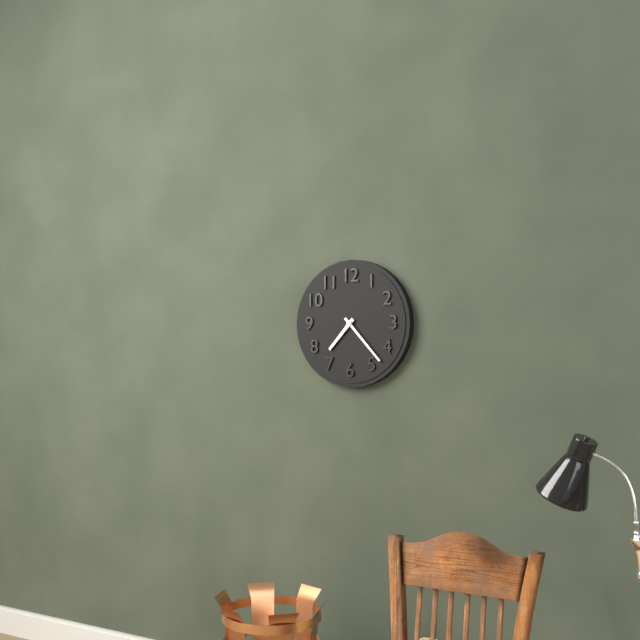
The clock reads 7:23
